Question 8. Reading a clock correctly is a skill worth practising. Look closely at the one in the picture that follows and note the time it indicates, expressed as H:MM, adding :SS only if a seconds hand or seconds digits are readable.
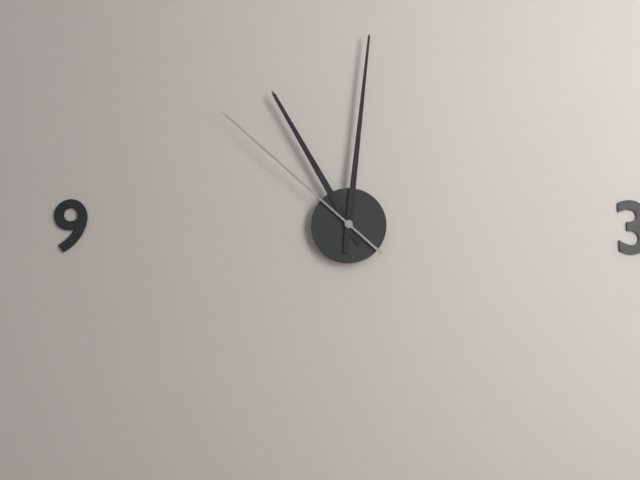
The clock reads 11:01:52
